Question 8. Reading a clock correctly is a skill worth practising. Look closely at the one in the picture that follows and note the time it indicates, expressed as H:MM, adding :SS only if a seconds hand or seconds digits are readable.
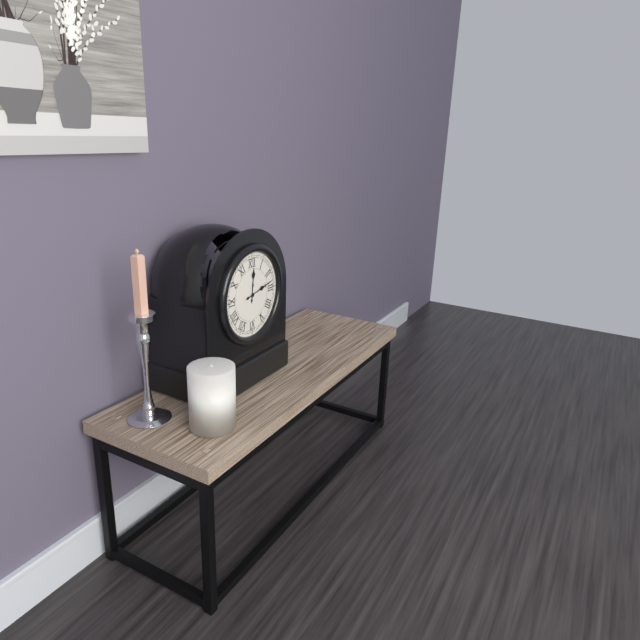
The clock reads 12:13
